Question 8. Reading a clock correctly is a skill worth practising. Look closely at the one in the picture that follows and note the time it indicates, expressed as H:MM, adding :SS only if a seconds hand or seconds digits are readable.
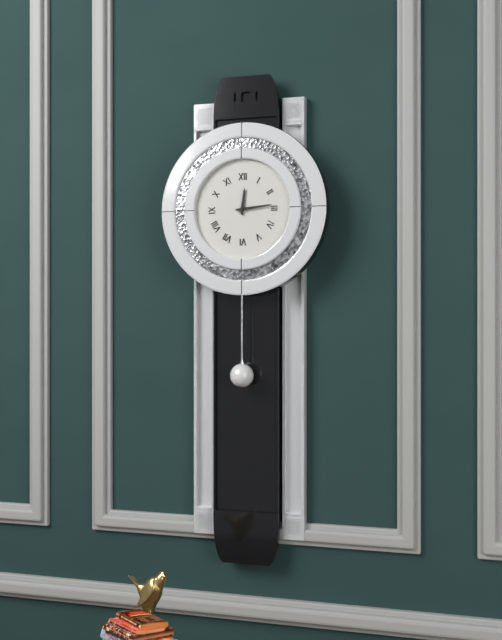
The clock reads 12:14
